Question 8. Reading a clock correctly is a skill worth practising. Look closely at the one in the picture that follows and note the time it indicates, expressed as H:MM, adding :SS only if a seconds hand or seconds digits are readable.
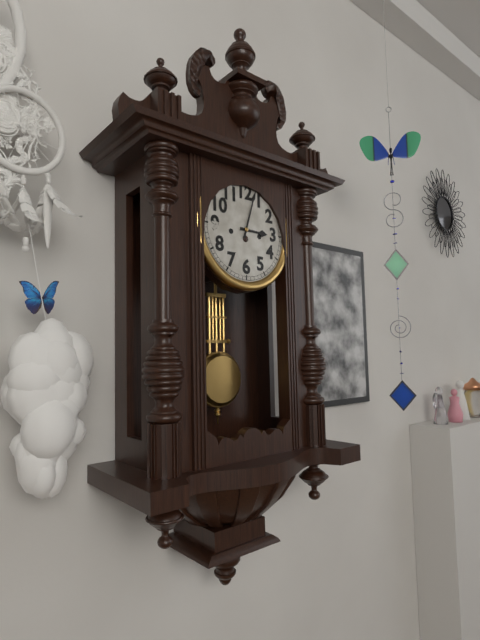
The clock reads 3:03
